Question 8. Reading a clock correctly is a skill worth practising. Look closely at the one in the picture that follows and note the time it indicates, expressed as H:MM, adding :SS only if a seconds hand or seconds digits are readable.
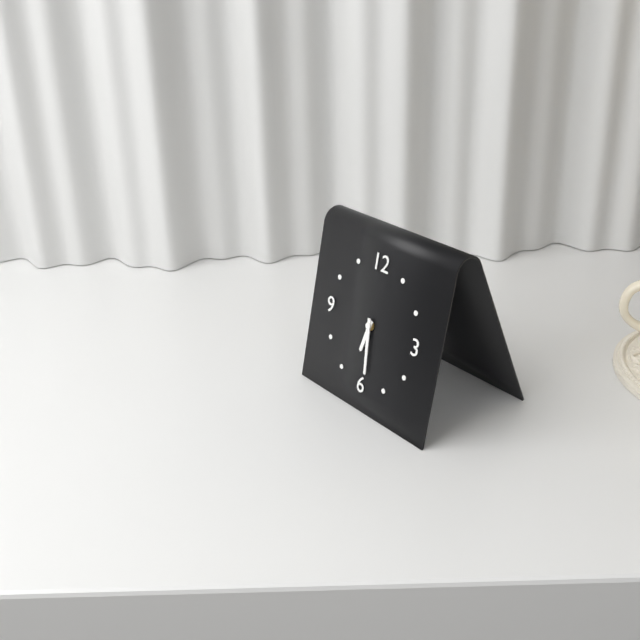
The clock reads 6:29
